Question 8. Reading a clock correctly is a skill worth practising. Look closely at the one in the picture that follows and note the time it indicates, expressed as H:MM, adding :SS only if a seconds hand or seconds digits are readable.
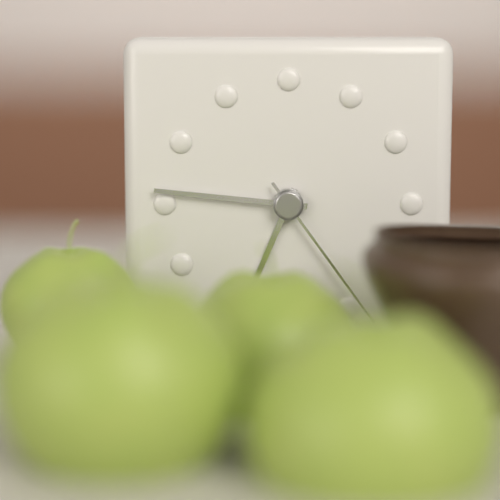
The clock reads 6:46:24
